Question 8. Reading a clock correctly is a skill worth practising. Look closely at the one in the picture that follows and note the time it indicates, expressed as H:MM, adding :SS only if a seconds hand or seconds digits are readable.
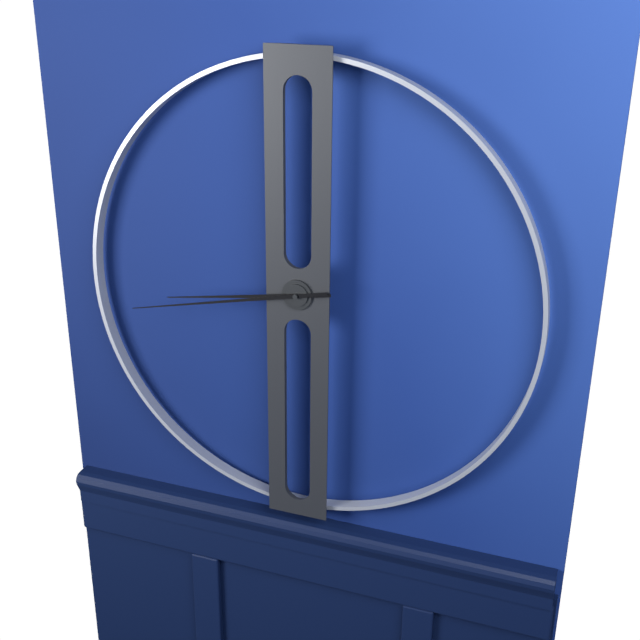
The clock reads 8:43
